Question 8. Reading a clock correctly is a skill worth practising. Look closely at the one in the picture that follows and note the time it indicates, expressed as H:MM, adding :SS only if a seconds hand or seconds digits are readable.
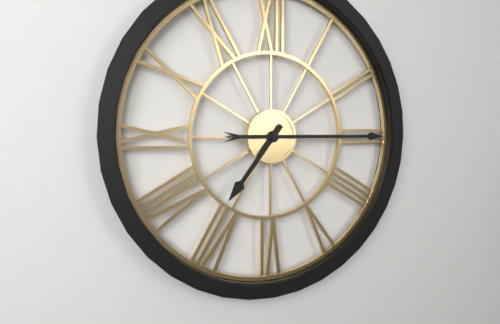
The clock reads 7:15
